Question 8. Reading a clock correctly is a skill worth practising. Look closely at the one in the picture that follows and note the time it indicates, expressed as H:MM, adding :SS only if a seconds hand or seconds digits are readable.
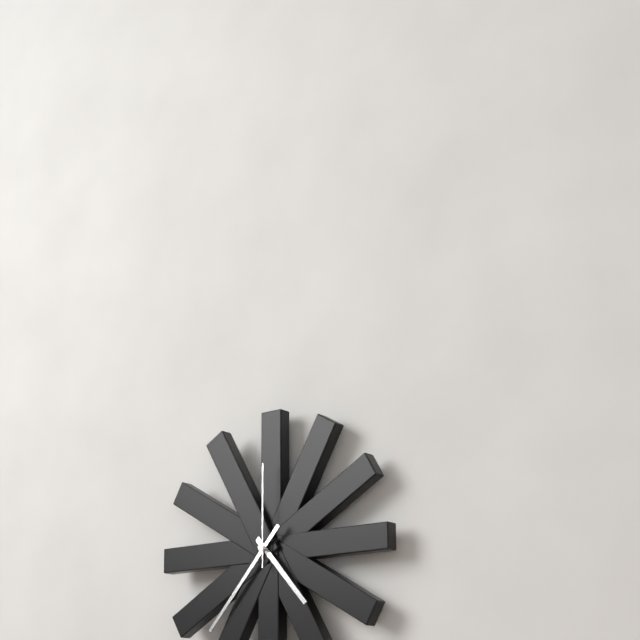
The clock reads 4:37:00
